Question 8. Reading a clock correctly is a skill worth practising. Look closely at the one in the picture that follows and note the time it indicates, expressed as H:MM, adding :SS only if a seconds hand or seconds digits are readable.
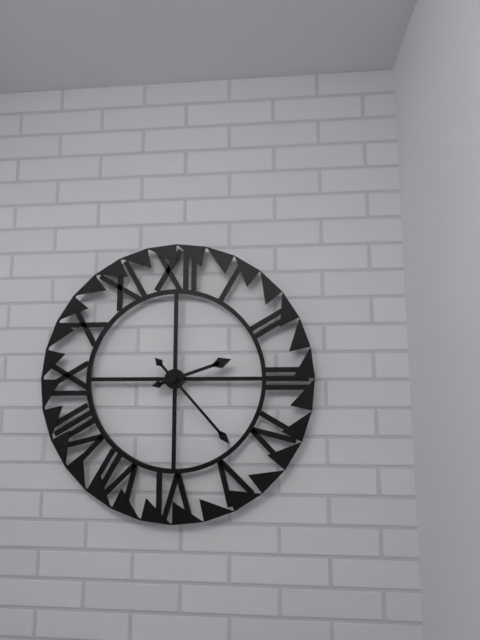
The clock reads 2:23
